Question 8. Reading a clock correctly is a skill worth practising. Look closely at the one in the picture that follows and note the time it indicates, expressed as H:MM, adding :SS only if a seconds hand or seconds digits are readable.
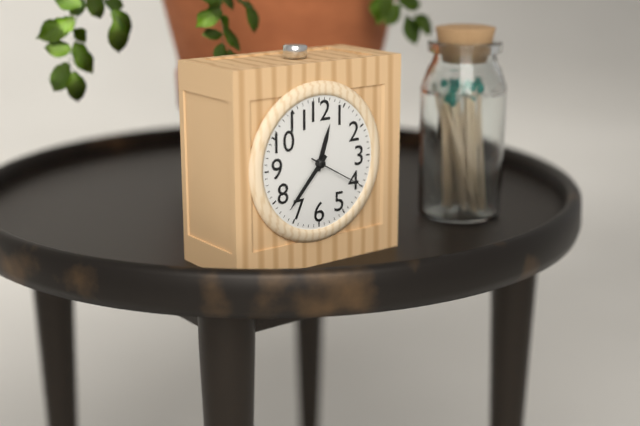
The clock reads 12:37:20
